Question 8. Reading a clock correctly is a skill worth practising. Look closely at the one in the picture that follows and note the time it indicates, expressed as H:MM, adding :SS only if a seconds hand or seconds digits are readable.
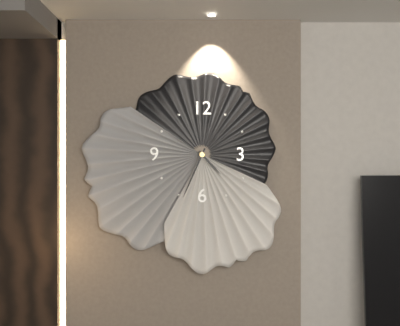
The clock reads 4:34
